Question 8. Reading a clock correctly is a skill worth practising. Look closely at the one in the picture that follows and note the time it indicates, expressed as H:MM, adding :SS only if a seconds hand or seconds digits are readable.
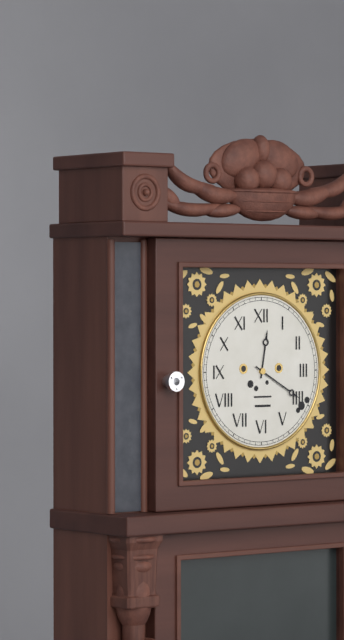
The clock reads 12:20
